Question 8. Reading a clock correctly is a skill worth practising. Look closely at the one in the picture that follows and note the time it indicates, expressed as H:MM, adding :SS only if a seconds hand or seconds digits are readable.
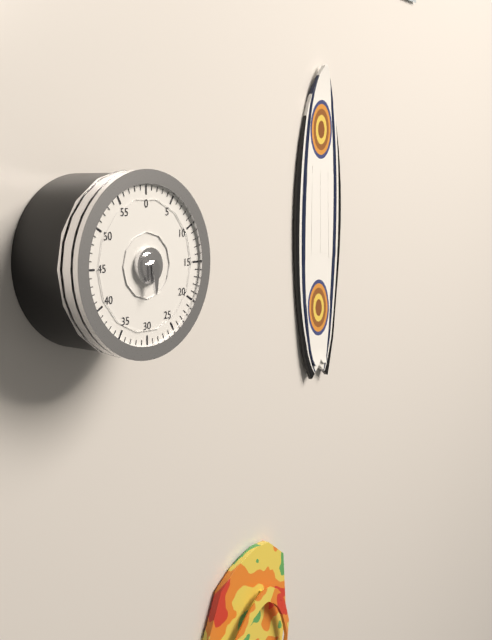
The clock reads 6:30
